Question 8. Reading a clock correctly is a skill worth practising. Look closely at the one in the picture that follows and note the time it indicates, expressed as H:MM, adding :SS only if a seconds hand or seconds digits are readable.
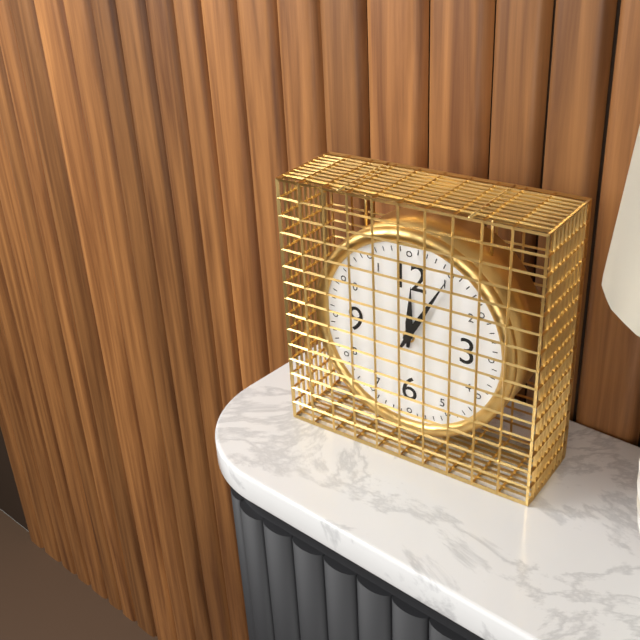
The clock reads 12:05
